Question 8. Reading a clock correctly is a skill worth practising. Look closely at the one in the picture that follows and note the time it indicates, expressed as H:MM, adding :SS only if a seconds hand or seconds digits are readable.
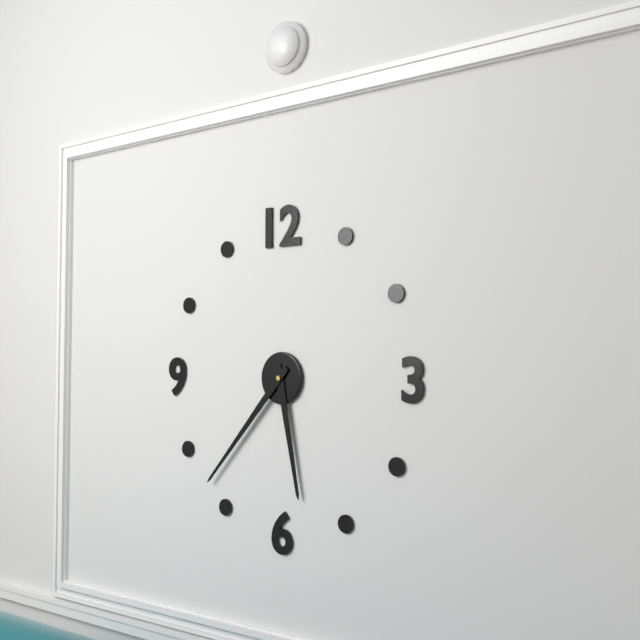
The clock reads 5:37
